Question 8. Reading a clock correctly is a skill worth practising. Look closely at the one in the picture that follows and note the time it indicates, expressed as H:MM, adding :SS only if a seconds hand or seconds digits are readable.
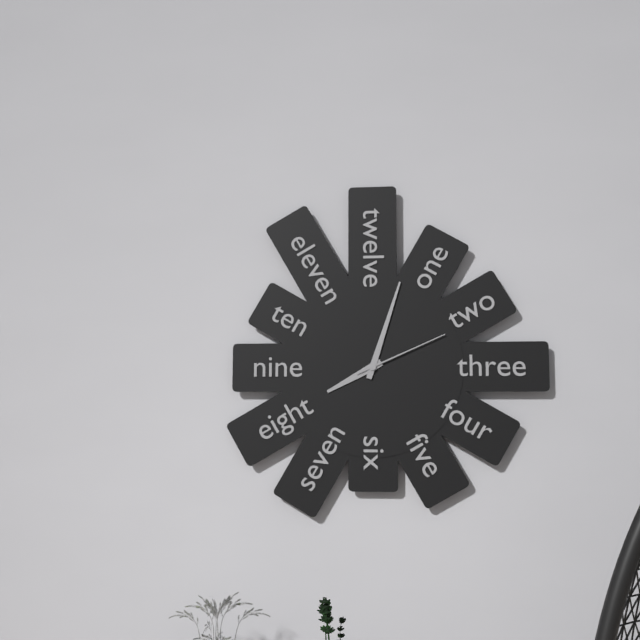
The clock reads 8:03:11
